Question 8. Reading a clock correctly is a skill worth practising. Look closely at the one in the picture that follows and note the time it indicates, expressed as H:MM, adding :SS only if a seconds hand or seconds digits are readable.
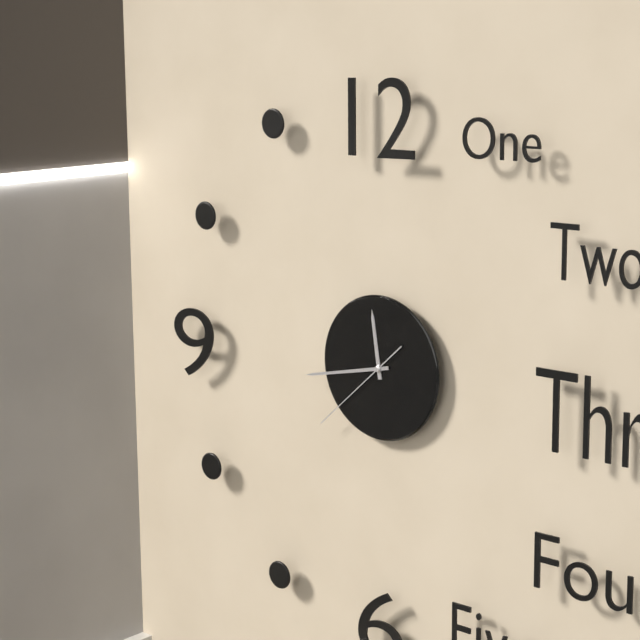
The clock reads 11:43:38
